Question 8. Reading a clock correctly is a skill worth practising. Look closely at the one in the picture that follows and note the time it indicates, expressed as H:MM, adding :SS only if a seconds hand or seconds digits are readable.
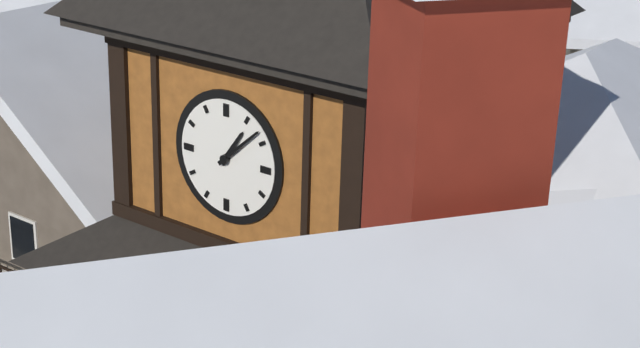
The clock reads 1:08
